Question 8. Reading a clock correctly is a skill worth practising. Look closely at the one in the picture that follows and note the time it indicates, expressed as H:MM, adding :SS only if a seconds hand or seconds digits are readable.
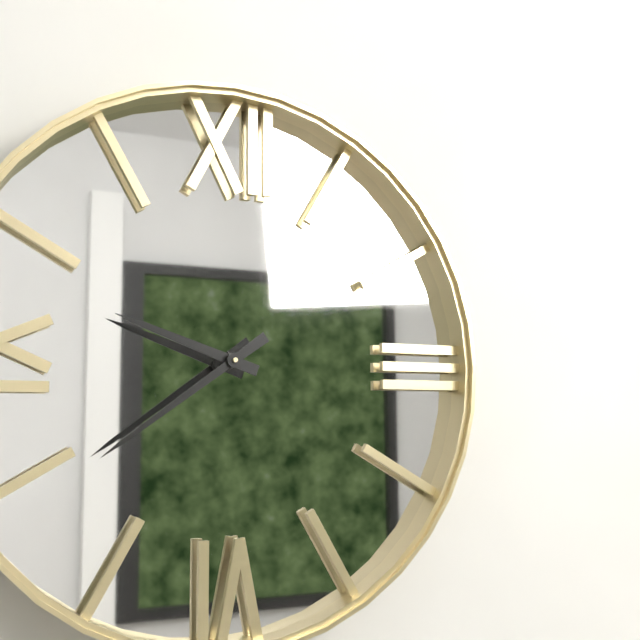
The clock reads 9:39
